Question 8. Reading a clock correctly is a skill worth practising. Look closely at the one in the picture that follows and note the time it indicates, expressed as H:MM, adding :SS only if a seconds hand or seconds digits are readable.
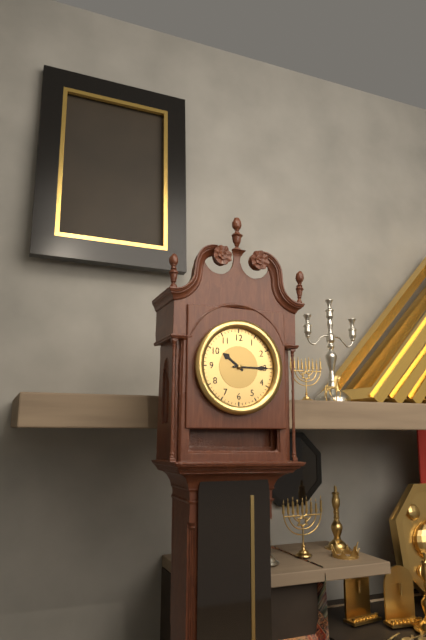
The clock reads 10:15
